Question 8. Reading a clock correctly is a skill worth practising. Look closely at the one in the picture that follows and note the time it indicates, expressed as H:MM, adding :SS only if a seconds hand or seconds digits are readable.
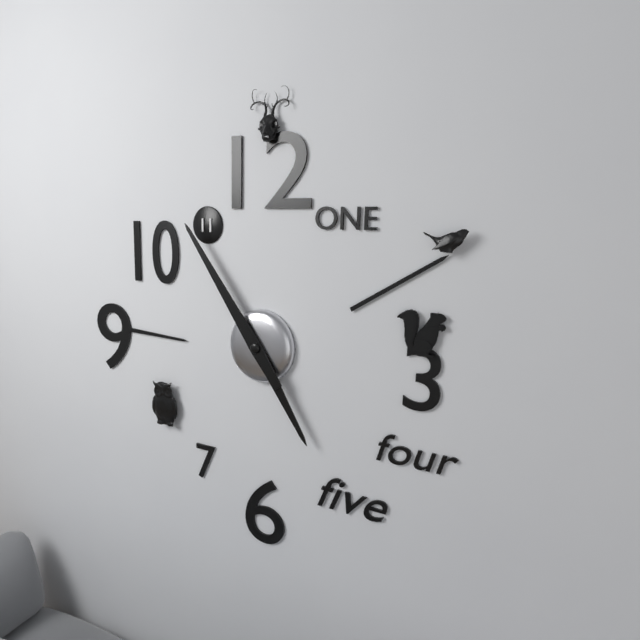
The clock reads 4:54
